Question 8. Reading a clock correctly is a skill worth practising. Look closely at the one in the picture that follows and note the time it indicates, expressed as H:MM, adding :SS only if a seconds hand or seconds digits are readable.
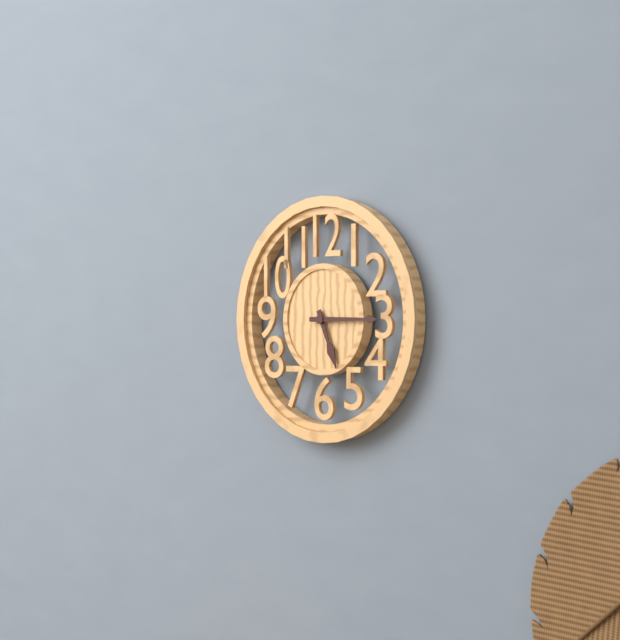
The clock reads 5:15
